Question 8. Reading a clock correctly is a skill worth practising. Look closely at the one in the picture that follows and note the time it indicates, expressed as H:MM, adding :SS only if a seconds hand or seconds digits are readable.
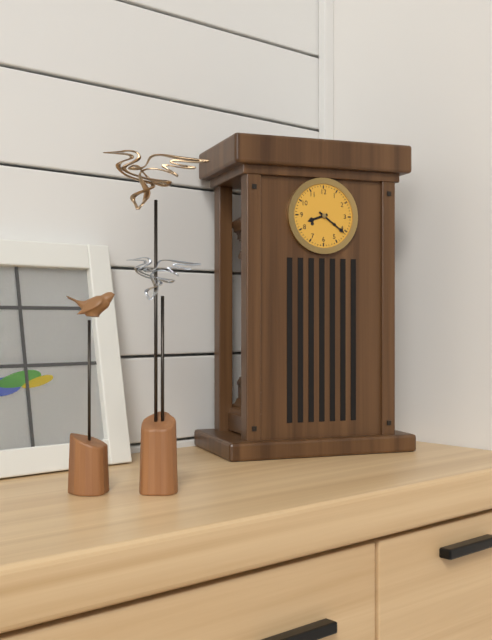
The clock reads 8:21
